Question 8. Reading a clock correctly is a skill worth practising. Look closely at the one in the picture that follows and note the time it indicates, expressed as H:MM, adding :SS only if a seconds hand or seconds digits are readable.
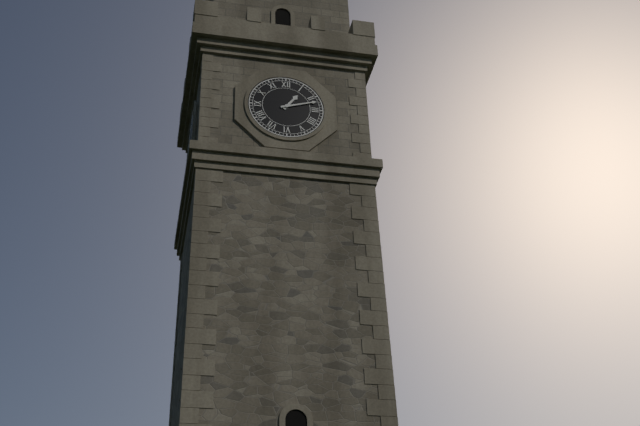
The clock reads 1:12
